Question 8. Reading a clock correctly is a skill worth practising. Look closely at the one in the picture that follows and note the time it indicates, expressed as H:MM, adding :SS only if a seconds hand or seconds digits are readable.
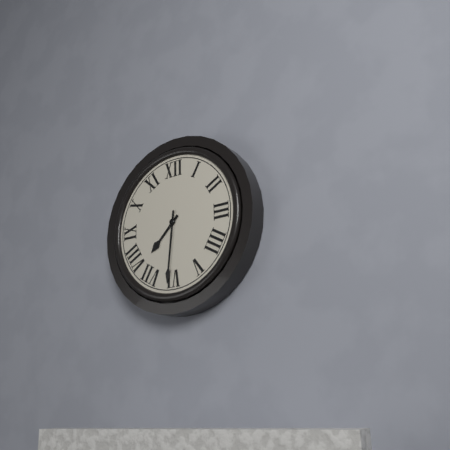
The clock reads 7:31
